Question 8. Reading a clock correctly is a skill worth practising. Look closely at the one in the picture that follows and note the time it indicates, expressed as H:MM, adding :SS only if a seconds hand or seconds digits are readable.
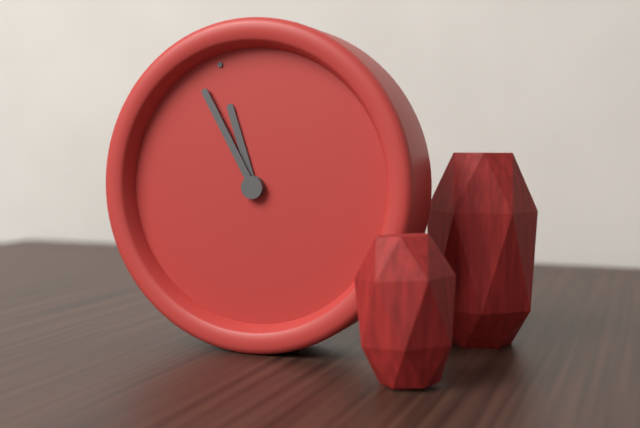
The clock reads 11:58
